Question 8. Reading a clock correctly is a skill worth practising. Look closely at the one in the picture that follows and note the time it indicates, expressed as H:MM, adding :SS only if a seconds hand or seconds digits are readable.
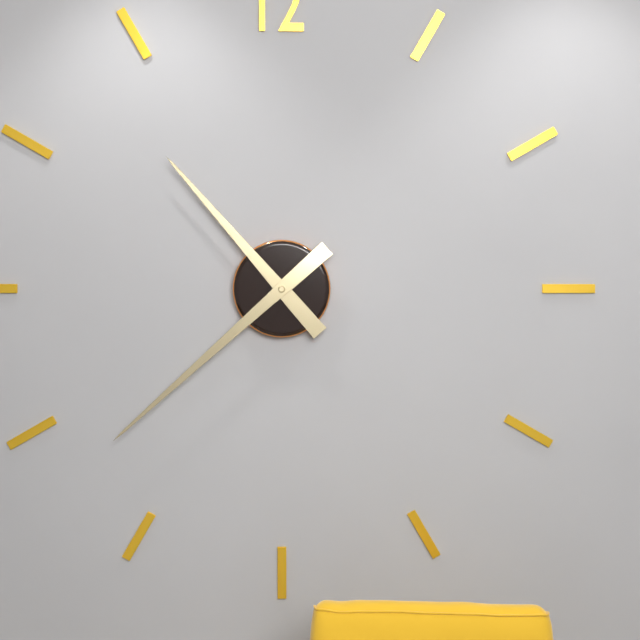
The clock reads 10:38
